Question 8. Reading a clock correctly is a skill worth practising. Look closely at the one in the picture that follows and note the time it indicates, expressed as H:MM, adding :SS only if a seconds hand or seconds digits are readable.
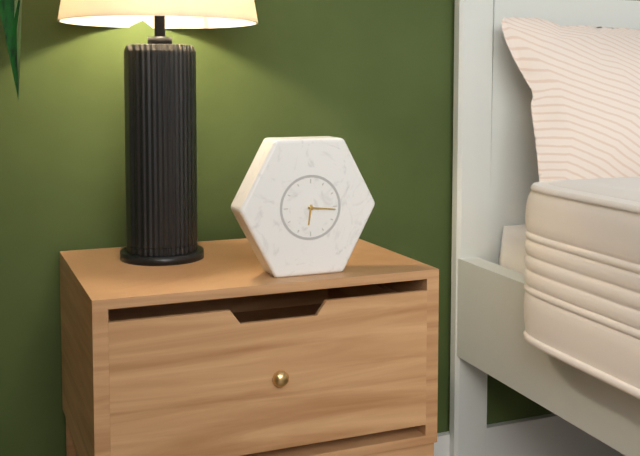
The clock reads 6:16
